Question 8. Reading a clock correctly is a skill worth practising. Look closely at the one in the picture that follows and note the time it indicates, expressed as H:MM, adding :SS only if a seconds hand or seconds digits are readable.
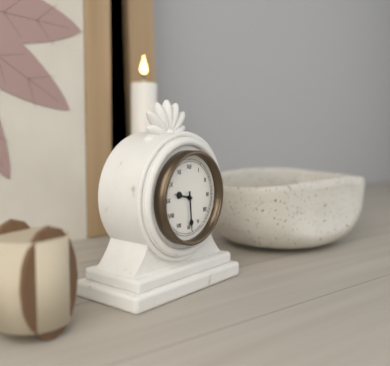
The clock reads 9:29
